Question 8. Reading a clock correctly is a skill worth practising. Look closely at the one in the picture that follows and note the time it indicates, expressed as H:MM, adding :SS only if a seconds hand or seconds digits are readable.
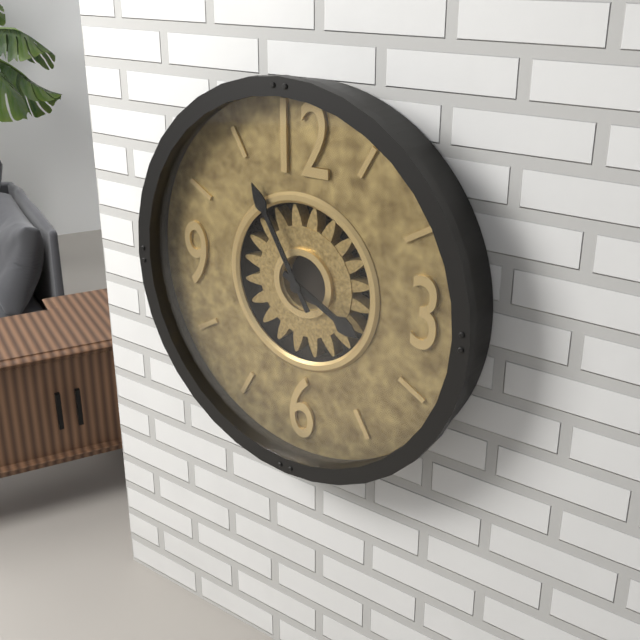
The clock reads 3:55
